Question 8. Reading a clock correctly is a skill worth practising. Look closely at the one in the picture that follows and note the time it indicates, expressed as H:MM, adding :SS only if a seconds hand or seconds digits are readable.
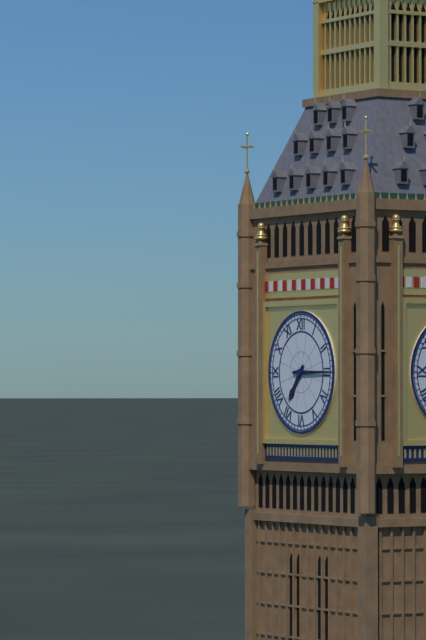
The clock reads 7:15
